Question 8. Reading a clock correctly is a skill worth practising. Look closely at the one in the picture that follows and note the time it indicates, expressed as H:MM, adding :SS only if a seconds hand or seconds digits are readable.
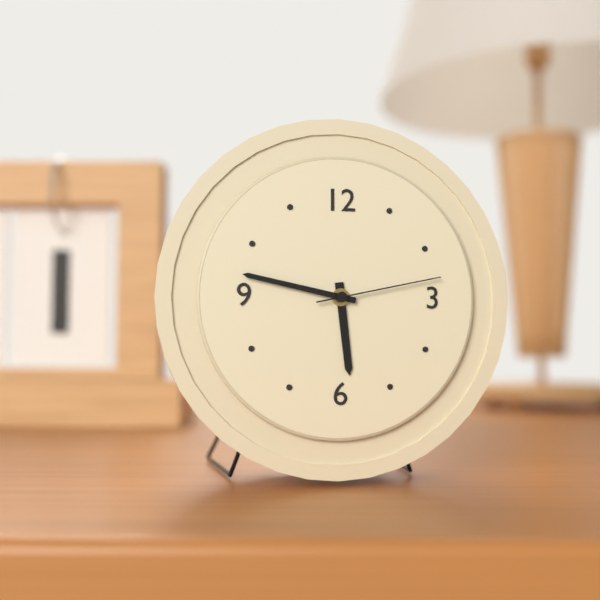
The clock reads 5:47:13
